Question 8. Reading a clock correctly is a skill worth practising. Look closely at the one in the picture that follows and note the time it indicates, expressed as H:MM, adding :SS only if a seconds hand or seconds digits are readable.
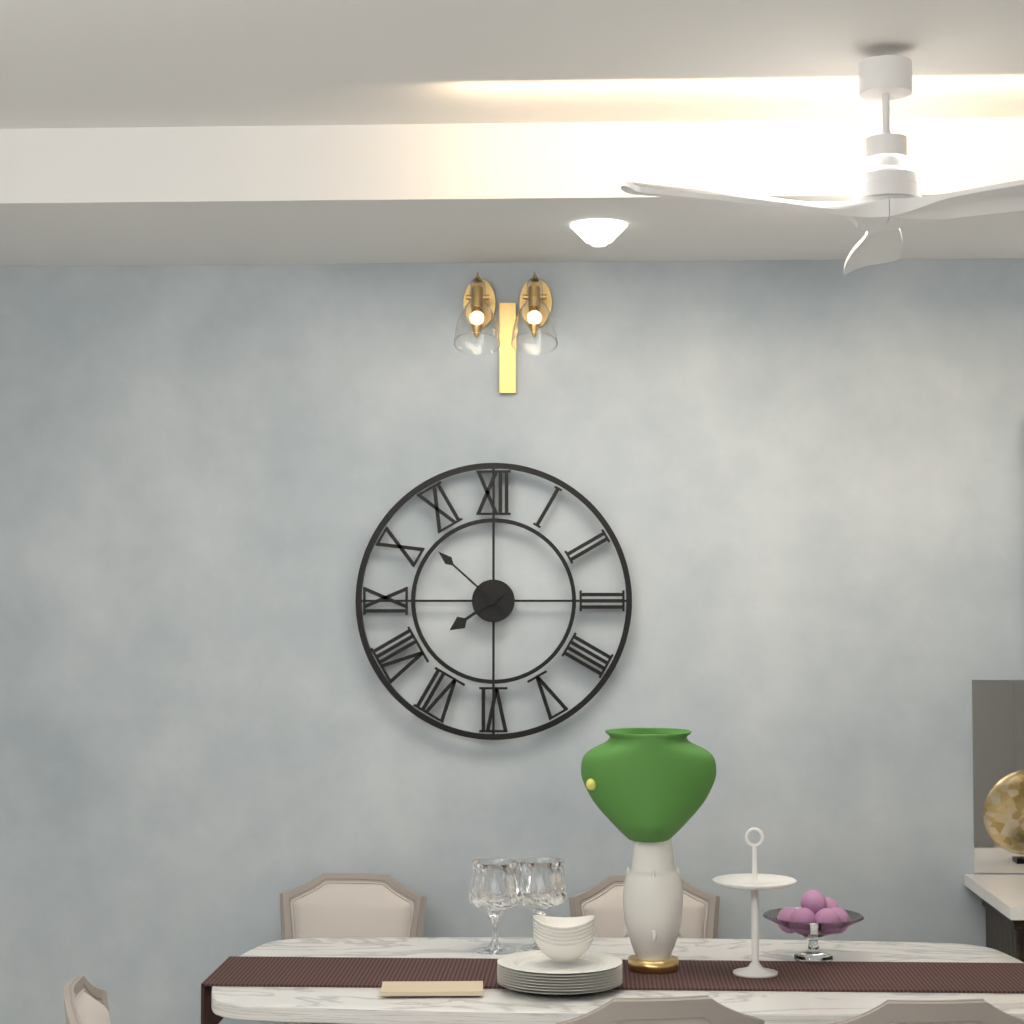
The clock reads 7:52
